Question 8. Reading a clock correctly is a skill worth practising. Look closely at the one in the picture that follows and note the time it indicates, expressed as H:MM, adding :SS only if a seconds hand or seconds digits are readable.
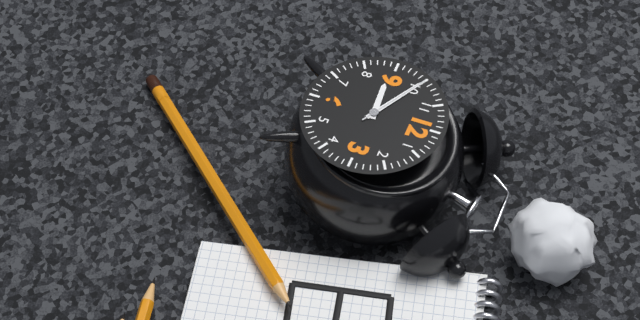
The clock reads 8:50:50
